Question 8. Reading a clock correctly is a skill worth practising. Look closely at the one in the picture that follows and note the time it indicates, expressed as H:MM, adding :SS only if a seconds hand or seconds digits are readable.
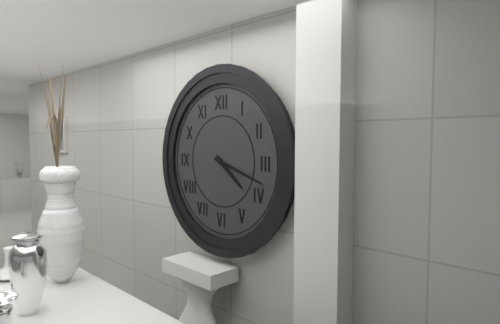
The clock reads 4:18
